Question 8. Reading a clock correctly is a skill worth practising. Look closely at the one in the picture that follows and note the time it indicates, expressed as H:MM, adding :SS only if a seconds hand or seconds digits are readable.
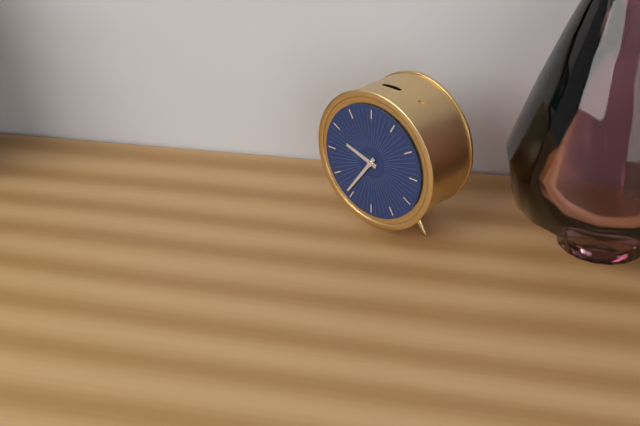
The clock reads 9:36
